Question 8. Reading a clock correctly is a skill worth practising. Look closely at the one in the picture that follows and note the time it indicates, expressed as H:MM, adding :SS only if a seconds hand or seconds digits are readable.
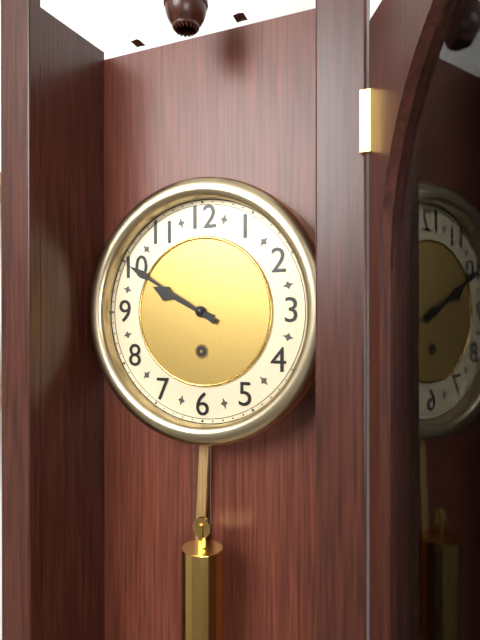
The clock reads 9:50
